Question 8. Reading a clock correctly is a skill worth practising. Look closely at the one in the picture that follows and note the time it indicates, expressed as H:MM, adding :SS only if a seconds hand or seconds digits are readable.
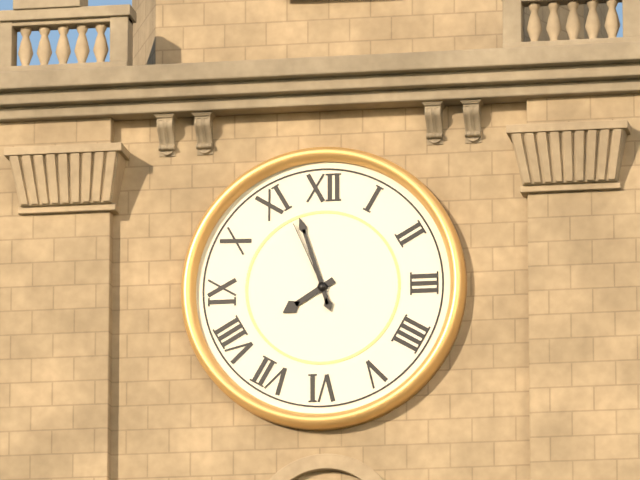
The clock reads 7:57:56
